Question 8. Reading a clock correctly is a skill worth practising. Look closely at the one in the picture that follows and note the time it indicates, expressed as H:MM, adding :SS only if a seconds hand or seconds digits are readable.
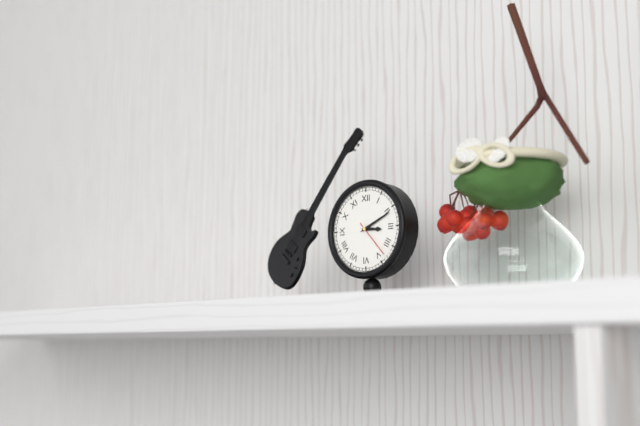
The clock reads 3:11
